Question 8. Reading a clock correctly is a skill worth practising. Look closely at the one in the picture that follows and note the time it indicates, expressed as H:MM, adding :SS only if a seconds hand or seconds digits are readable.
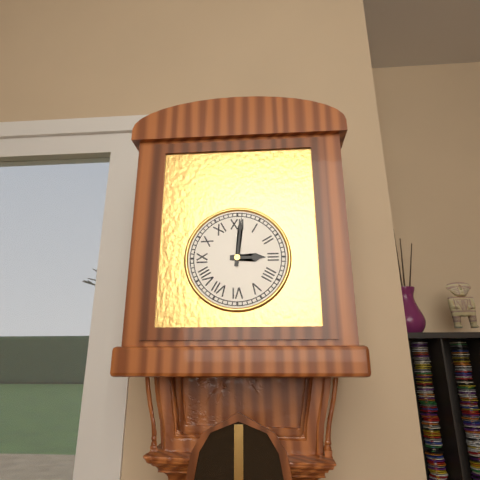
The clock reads 3:01
